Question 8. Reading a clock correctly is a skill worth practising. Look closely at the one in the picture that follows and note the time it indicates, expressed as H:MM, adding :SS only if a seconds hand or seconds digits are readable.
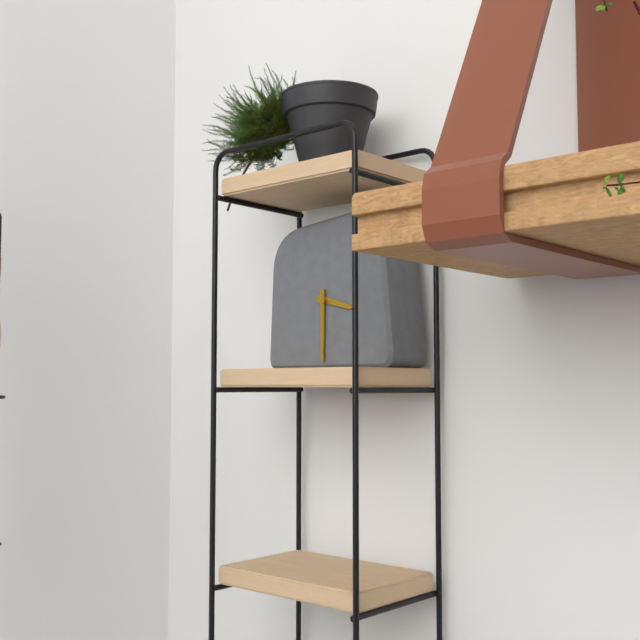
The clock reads 3:30
